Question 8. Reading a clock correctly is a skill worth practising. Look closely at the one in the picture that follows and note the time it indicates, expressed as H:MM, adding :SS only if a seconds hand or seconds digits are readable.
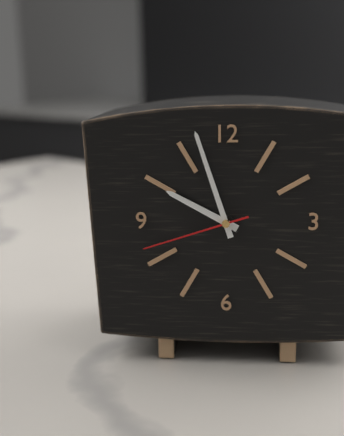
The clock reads 9:57:42
